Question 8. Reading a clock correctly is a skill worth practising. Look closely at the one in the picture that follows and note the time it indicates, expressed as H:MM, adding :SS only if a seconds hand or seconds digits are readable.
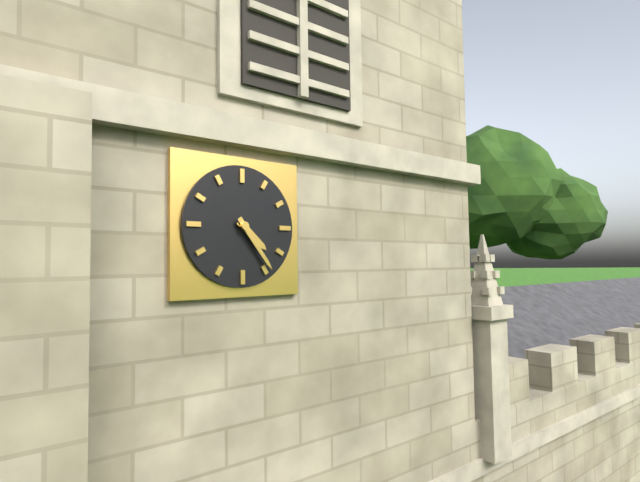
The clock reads 4:24
